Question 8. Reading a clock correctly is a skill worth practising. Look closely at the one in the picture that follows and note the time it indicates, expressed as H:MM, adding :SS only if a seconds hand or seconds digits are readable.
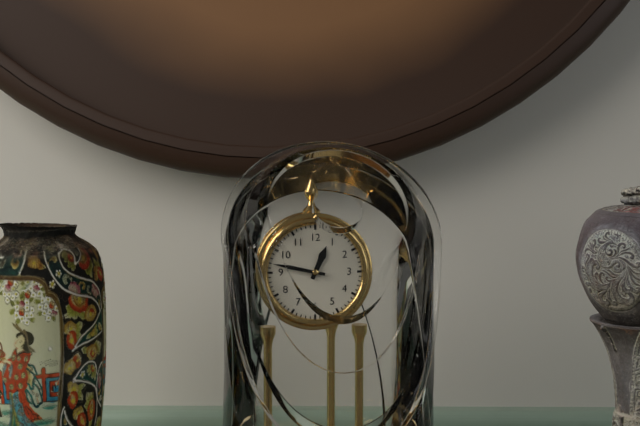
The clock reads 12:47
